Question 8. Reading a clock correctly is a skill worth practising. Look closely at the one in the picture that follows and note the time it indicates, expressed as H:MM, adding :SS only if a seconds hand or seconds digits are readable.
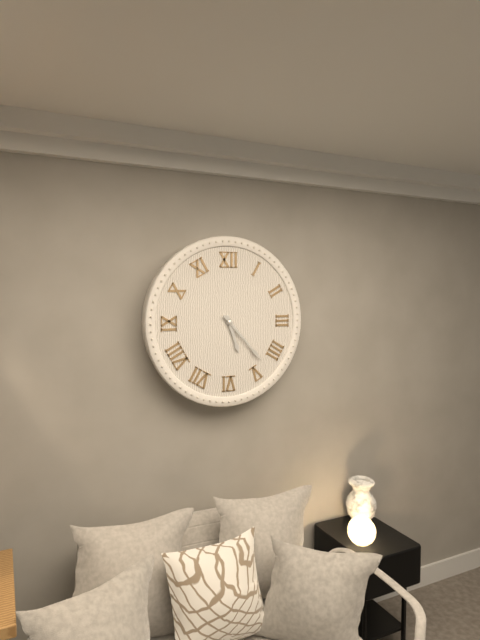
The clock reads 5:23
